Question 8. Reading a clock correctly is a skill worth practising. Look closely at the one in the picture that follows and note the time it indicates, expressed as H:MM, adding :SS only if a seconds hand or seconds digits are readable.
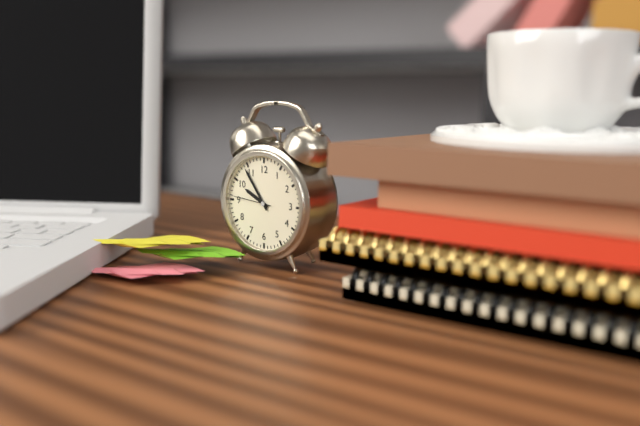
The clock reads 9:54
